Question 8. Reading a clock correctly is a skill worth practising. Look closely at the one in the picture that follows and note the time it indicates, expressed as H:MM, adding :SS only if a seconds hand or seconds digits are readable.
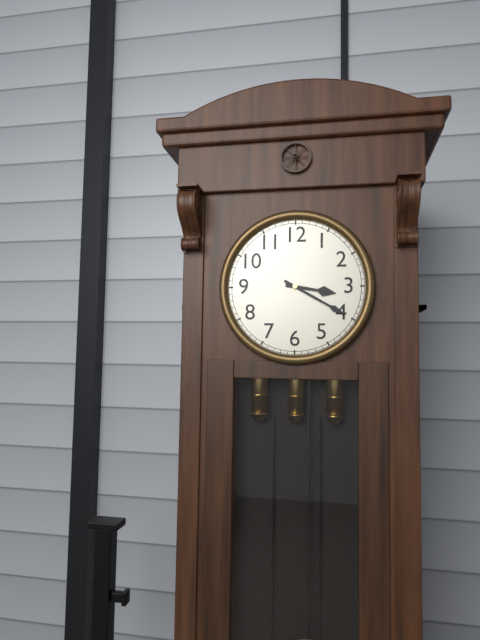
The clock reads 3:20
